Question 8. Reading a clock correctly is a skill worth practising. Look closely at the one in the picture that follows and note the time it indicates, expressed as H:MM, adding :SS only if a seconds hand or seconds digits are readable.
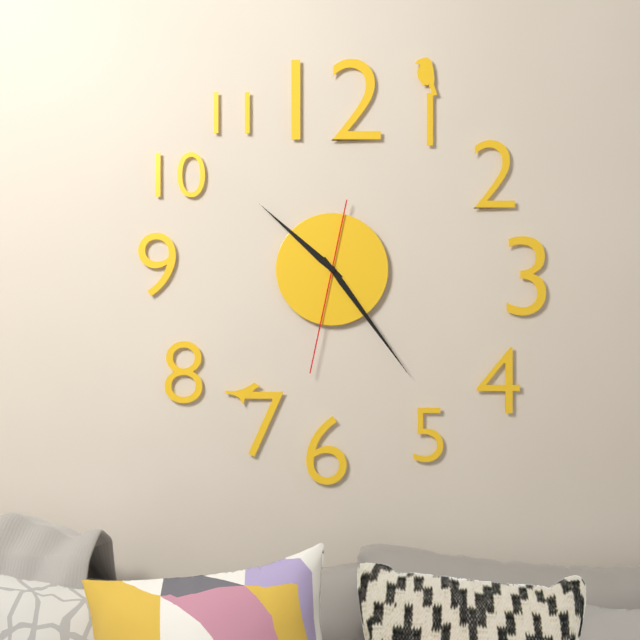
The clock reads 10:24:32
